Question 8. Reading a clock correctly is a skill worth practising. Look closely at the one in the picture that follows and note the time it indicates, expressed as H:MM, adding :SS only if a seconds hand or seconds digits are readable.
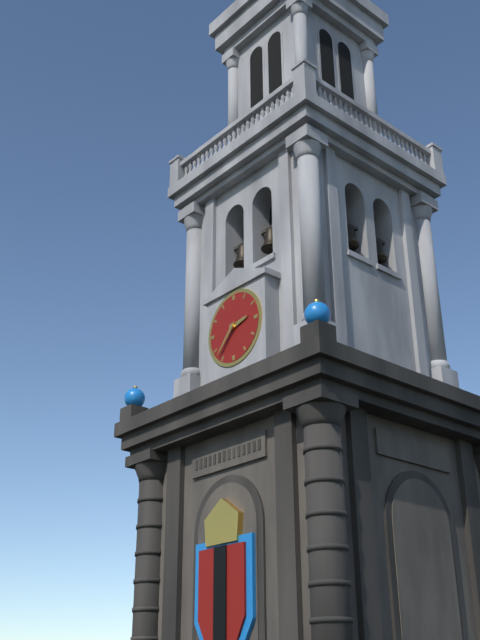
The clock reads 2:37
